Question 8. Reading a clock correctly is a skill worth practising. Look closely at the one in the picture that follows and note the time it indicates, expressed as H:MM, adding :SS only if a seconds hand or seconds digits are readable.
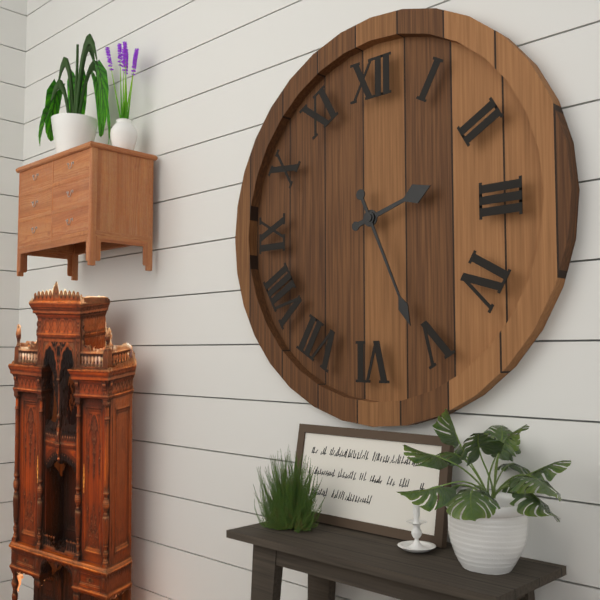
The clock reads 2:26
